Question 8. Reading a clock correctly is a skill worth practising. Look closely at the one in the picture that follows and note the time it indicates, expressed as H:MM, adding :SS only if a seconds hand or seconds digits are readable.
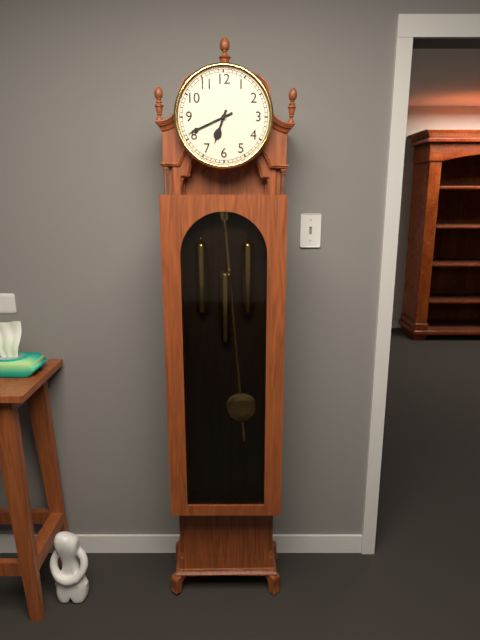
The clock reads 6:41
